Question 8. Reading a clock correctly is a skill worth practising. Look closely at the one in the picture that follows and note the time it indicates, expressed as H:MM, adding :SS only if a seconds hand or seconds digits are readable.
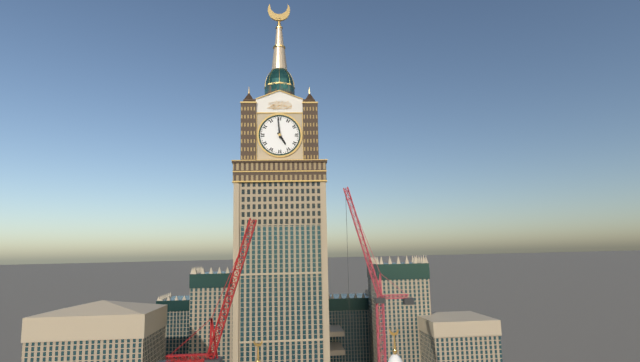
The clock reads 4:59
